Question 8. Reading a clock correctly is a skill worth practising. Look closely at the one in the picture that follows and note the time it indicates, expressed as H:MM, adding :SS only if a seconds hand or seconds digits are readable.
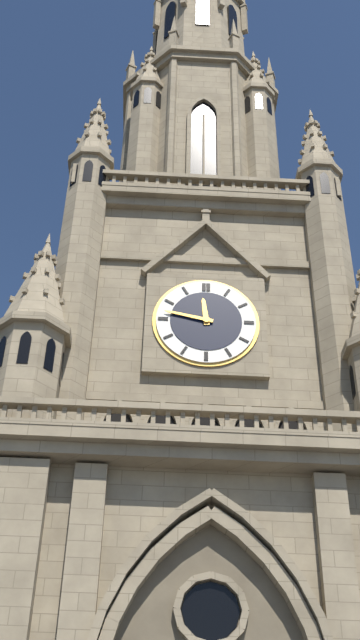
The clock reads 11:47
